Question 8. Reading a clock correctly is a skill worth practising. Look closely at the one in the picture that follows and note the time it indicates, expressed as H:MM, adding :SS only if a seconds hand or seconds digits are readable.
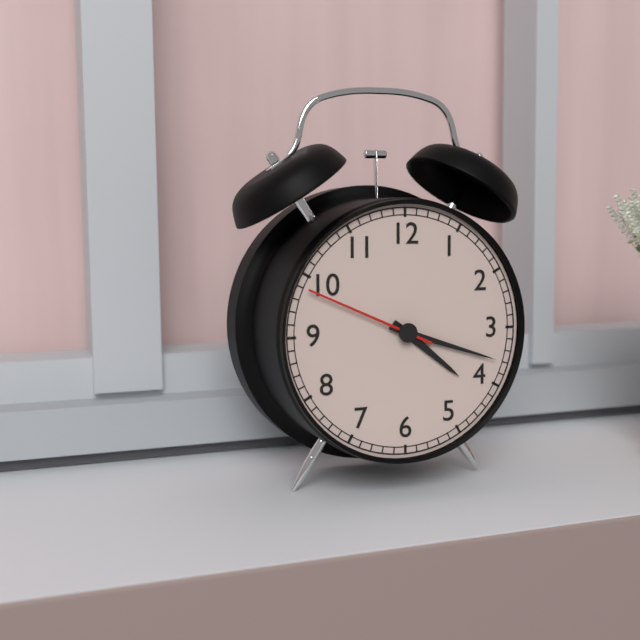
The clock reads 4:18:49
